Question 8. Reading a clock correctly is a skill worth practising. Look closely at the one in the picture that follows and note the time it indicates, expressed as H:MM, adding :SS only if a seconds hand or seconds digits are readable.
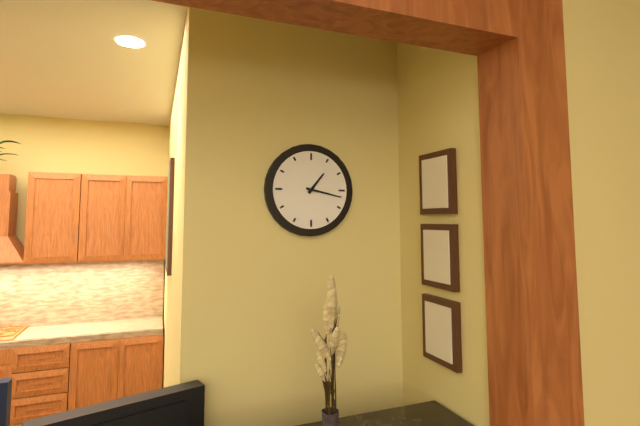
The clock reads 1:17
